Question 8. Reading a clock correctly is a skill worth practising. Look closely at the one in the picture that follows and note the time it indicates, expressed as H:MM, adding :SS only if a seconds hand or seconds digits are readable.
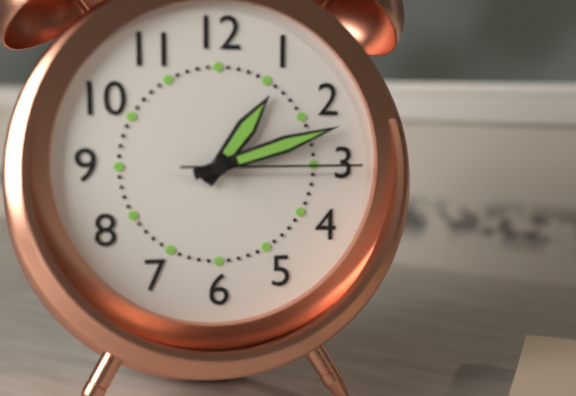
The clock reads 1:12:15
